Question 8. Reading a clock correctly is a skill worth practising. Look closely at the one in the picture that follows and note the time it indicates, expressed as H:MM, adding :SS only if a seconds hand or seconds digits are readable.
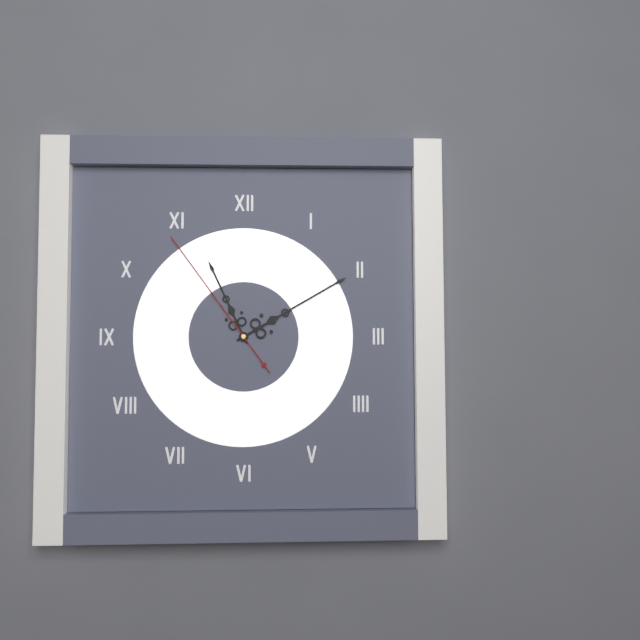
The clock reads 11:10:54
